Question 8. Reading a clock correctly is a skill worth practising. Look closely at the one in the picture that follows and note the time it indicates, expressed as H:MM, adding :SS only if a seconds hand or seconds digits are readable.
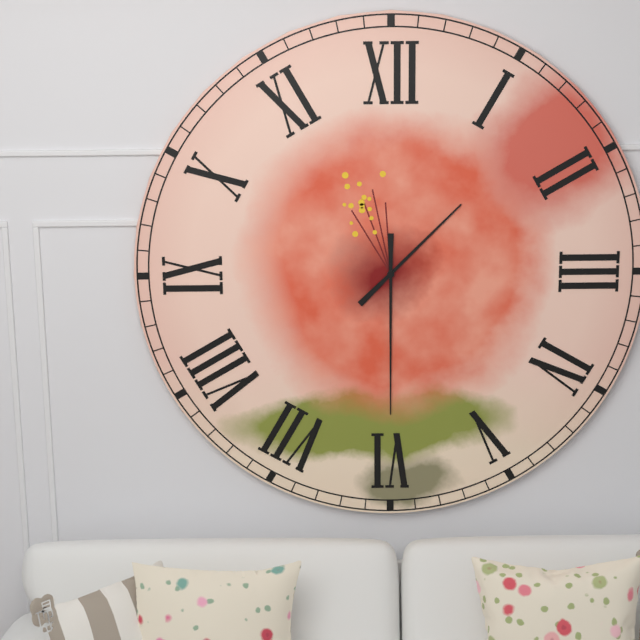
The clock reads 1:30
